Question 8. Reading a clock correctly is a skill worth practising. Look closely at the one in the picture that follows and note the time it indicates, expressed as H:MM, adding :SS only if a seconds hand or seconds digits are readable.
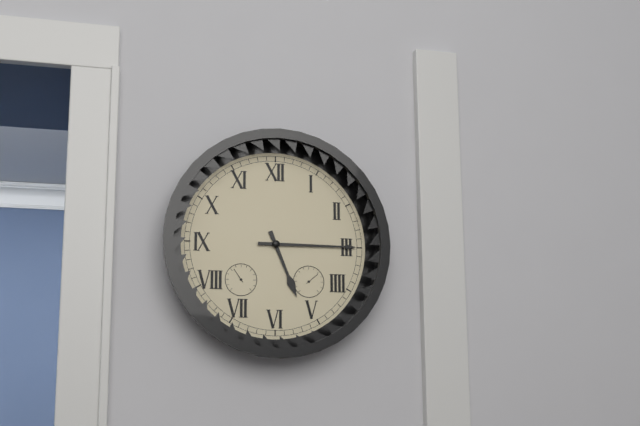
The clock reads 5:15
